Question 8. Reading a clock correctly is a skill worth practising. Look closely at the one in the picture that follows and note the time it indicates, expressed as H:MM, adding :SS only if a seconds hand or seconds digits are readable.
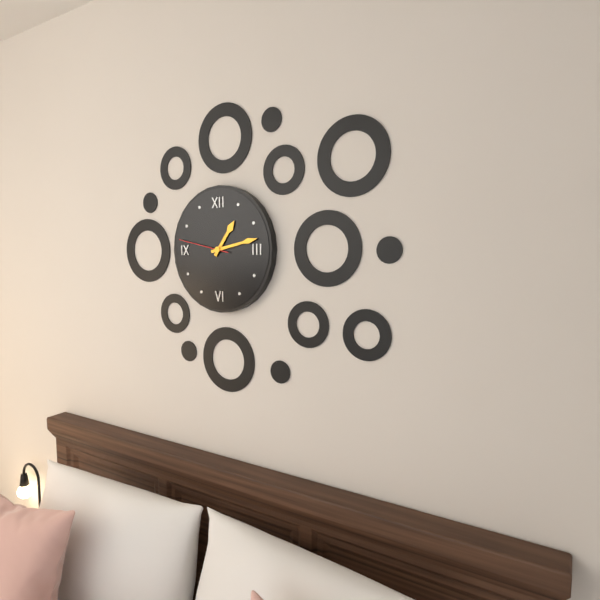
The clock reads 1:13:47
